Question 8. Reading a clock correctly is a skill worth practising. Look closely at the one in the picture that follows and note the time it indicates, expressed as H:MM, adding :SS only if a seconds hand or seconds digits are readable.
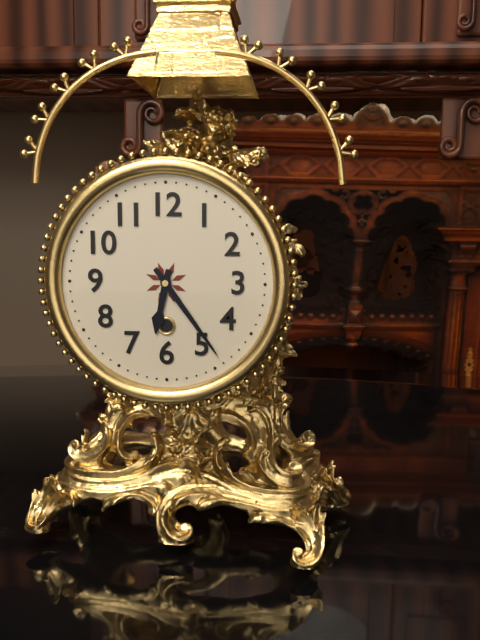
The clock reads 6:24
